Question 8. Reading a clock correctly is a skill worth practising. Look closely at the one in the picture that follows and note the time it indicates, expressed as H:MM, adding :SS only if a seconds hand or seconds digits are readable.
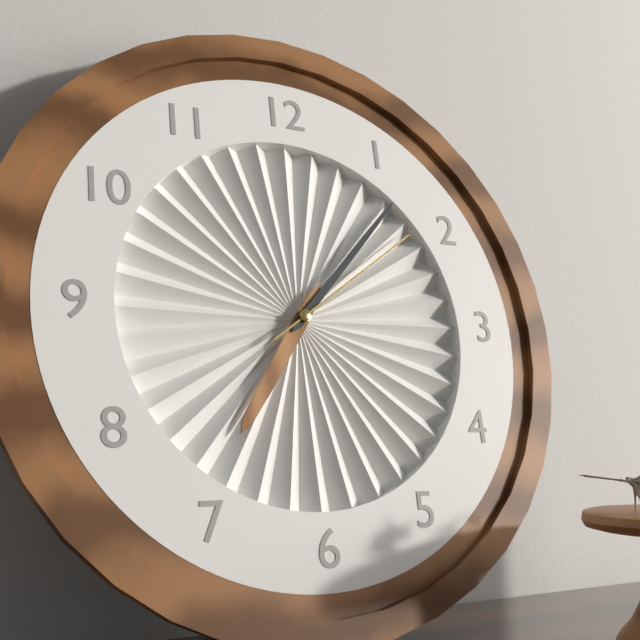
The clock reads 7:07:09
